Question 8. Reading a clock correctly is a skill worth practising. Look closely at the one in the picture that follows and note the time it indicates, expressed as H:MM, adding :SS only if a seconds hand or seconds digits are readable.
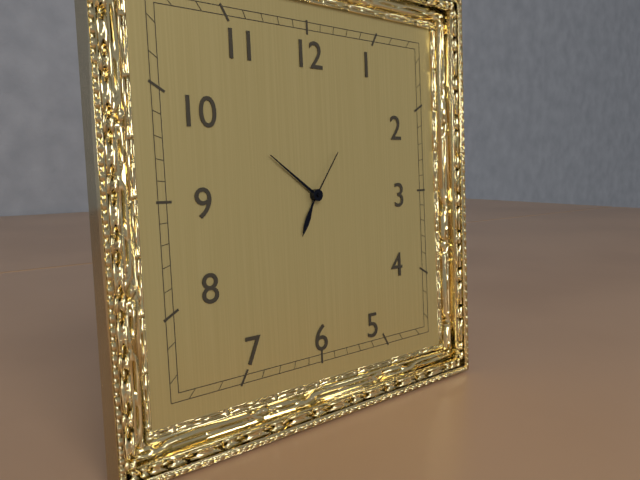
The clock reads 6:51:06
